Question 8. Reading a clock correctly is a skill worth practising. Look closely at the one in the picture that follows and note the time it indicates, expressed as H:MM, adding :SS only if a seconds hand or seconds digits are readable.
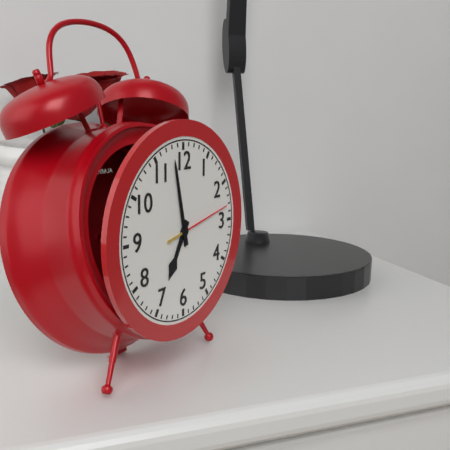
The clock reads 6:58:13
